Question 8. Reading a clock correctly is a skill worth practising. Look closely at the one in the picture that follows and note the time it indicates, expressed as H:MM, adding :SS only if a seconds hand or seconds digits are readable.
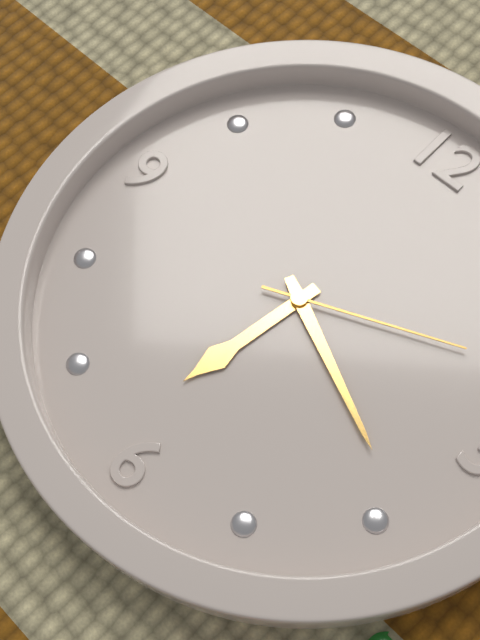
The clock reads 6:19:11
